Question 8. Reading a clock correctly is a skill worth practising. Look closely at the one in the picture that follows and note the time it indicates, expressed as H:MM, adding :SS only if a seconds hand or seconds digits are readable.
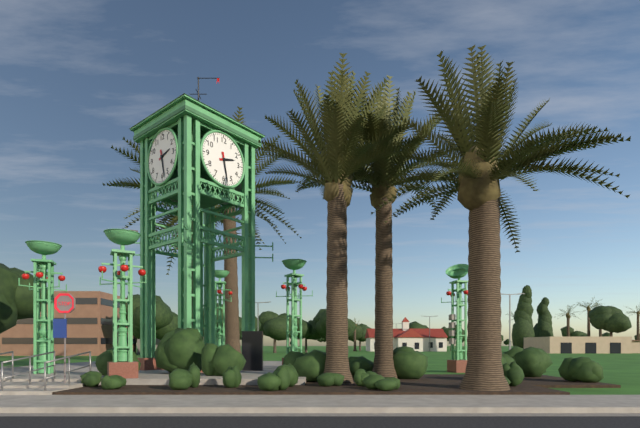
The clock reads 2:28
